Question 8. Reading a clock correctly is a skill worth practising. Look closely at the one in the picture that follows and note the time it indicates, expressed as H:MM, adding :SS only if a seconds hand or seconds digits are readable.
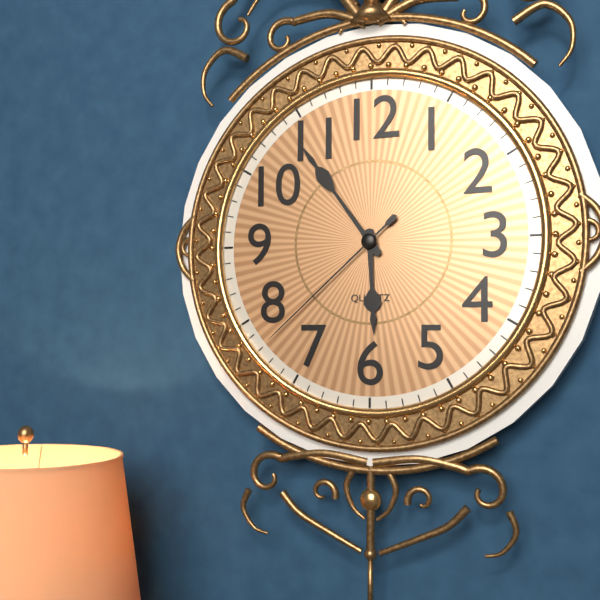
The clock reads 5:54:38
